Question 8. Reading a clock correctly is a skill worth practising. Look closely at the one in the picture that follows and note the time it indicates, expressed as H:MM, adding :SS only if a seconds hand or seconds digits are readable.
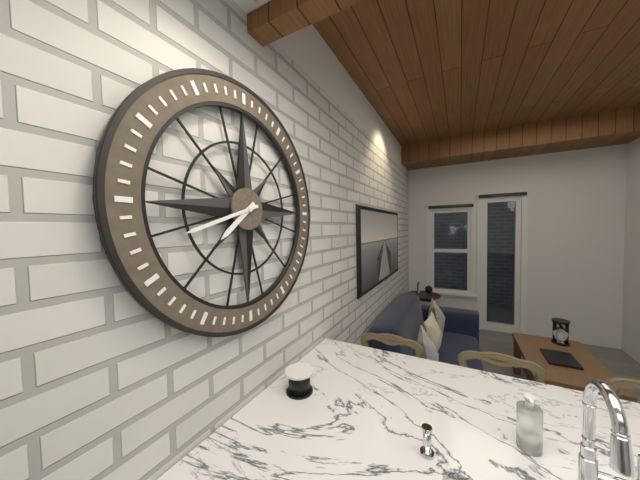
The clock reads 7:42
